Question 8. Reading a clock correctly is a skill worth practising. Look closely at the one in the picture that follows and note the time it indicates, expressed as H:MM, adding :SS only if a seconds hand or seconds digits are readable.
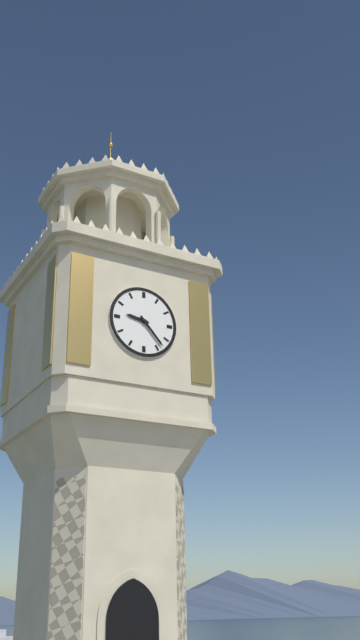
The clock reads 9:23
